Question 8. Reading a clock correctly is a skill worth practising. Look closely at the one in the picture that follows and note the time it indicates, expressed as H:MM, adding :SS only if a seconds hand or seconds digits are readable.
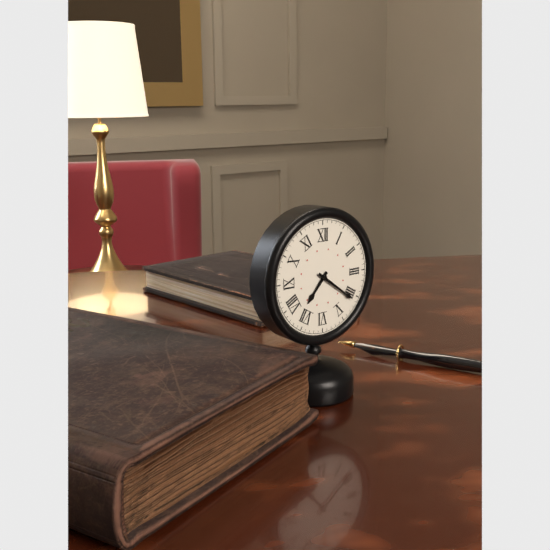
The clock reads 7:21
